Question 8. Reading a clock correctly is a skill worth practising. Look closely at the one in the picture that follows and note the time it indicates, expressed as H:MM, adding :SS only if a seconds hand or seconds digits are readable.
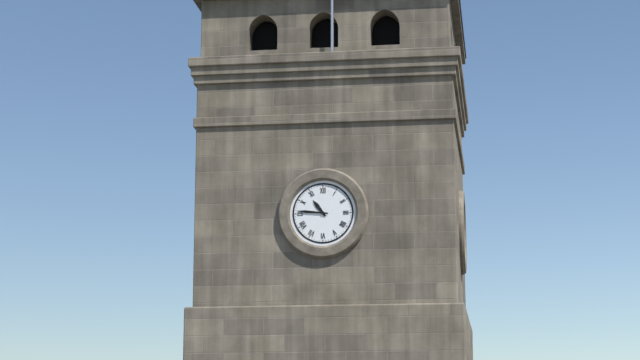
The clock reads 10:46
